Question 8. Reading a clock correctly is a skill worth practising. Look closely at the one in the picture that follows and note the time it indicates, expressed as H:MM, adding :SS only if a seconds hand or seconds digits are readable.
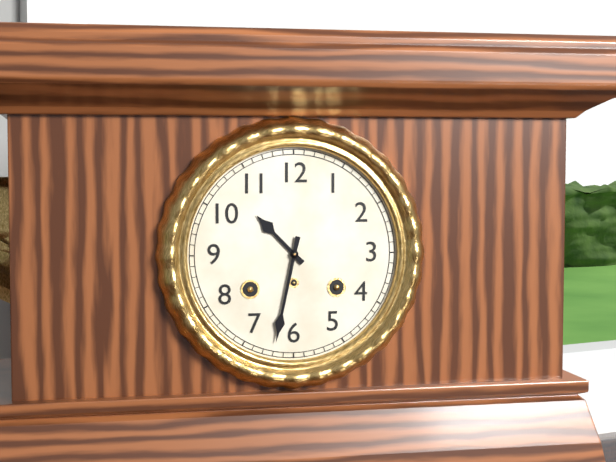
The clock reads 10:32
